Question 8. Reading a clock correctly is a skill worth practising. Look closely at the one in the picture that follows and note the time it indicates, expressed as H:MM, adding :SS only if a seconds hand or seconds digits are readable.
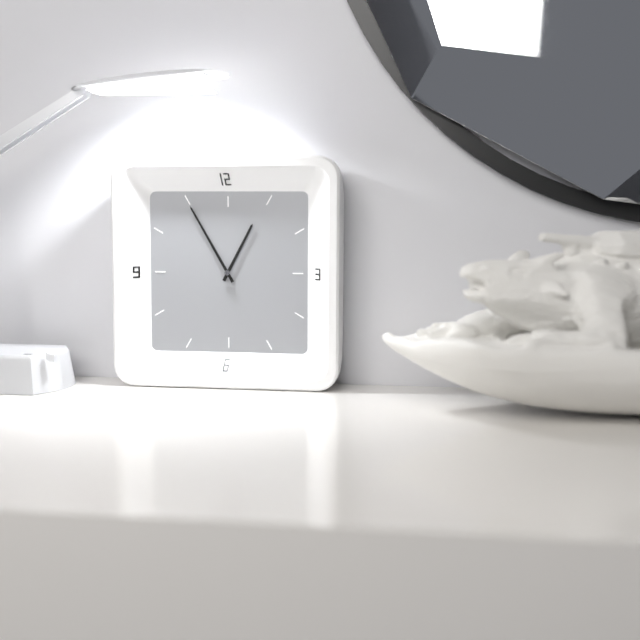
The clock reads 12:55
